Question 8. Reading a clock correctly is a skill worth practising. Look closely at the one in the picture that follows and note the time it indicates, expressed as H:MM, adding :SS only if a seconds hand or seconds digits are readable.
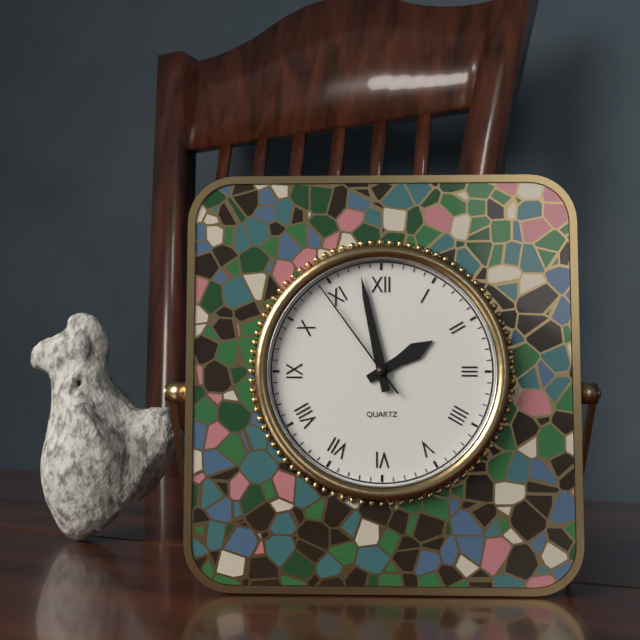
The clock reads 1:58:54
